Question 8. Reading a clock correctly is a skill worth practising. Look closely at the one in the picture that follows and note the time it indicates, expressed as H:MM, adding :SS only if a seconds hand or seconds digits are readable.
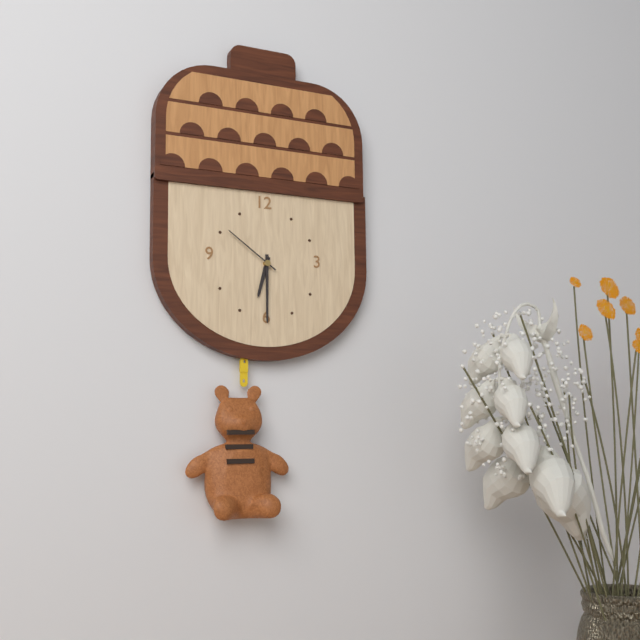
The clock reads 6:30:51
